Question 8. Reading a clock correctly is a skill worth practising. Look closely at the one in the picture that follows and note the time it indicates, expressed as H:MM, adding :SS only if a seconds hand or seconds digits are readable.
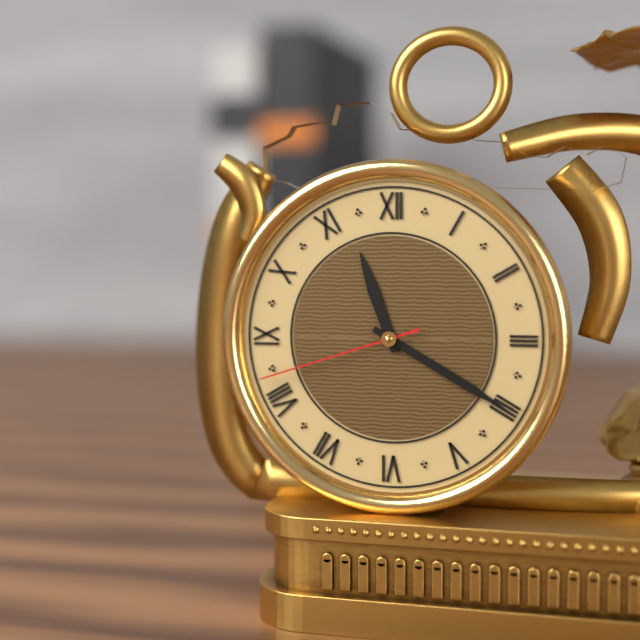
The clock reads 11:20:42
